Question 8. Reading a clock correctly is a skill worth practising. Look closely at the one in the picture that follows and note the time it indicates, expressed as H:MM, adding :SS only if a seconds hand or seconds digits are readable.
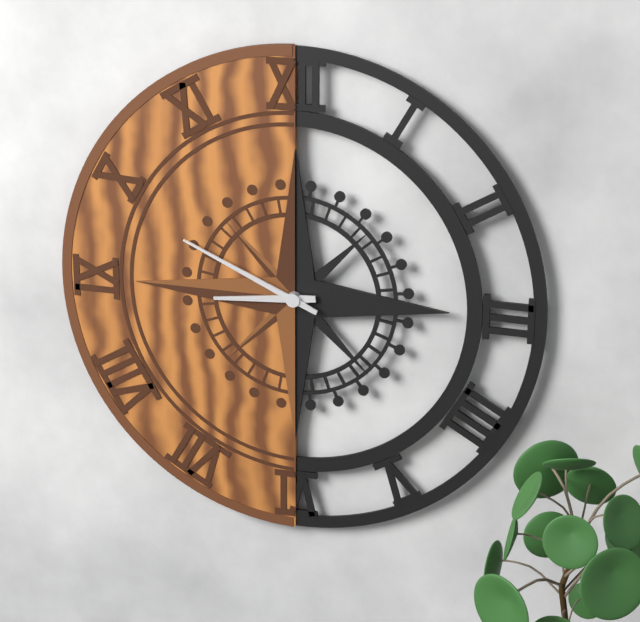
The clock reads 8:49
